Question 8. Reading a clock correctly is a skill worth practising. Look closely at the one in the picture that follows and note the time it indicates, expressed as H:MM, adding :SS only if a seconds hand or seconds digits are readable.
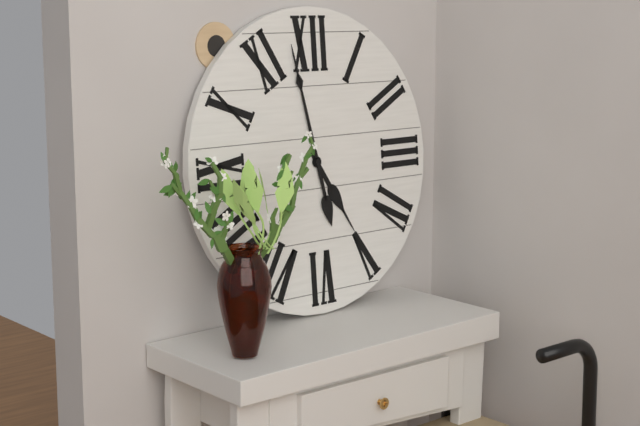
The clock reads 4:58
